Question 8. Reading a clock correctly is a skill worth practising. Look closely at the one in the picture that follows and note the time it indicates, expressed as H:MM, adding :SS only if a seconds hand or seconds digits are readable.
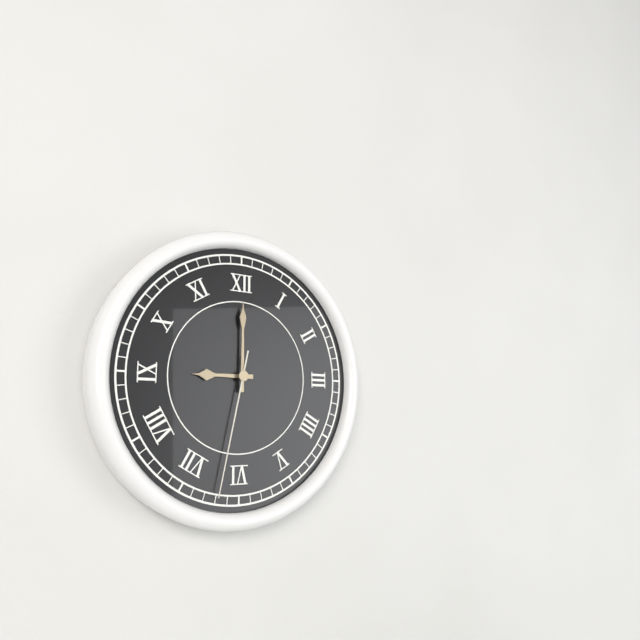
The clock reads 9:00:32
